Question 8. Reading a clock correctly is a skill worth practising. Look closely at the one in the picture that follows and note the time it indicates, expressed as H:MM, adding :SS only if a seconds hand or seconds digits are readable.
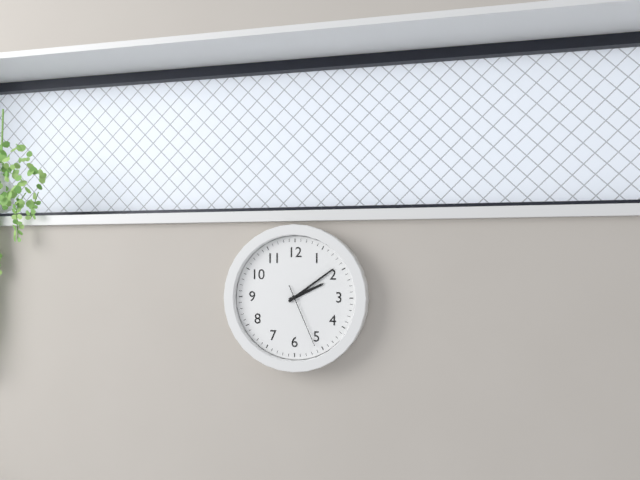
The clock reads 2:09:26
